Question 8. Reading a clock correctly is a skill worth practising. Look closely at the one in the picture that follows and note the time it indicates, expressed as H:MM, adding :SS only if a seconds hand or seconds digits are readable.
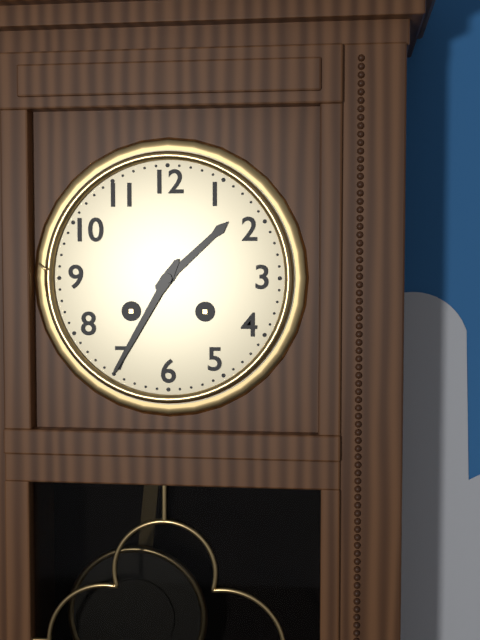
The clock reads 1:35
